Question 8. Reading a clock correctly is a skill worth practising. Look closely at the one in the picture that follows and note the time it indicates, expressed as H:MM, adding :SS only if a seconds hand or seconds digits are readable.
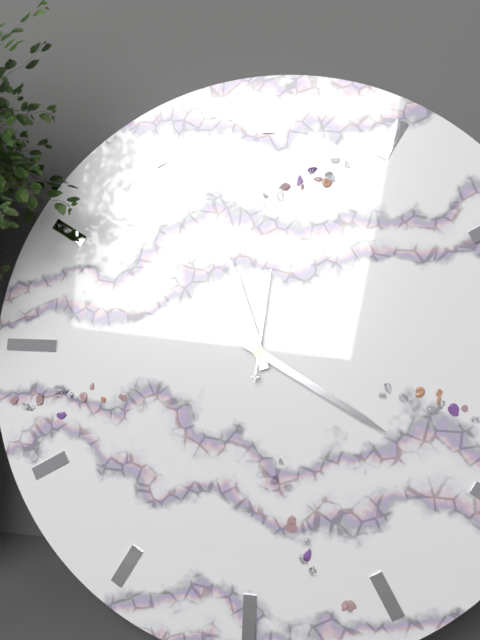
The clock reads 11:20:01
